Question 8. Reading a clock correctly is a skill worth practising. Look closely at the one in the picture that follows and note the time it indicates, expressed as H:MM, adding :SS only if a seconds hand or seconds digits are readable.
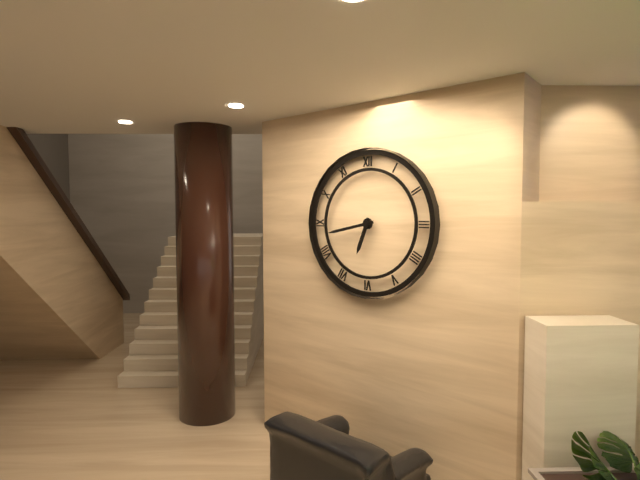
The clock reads 6:43
